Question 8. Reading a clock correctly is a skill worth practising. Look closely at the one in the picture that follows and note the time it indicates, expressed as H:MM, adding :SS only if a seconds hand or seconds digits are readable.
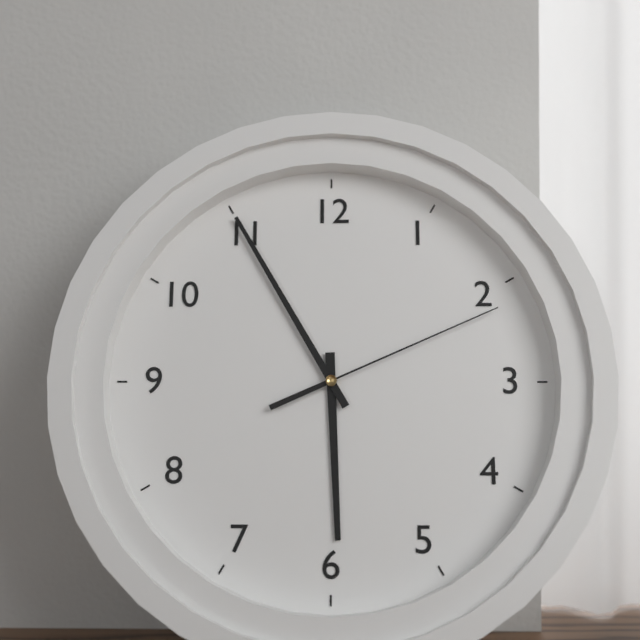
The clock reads 5:55:11
